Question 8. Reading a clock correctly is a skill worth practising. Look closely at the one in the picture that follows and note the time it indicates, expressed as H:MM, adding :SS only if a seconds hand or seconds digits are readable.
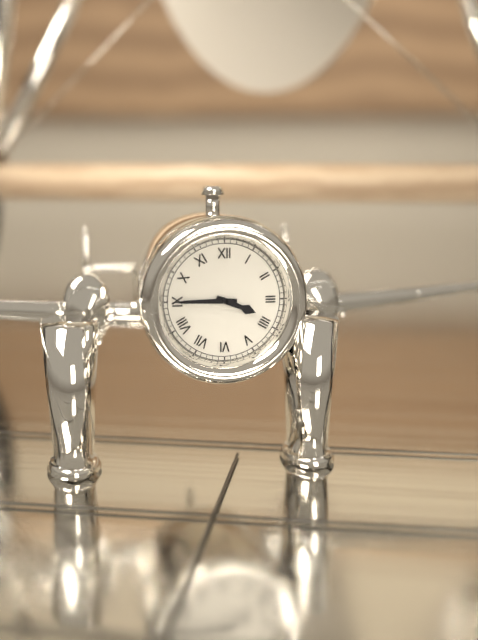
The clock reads 3:45
